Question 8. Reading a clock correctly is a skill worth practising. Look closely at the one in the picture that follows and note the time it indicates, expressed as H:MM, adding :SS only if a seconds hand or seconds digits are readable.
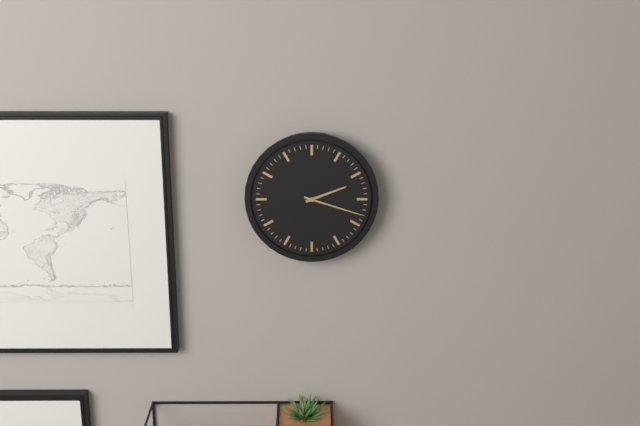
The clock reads 2:18
